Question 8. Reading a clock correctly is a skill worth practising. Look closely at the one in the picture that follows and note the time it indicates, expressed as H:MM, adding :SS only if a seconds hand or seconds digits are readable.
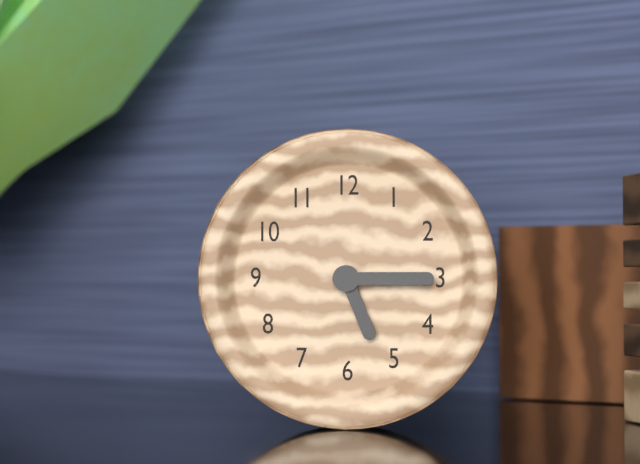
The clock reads 5:15
